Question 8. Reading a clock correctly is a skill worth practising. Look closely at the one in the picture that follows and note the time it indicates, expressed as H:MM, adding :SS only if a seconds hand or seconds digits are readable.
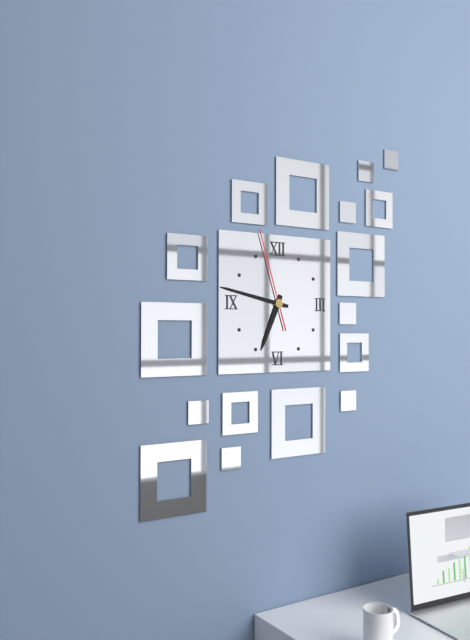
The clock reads 6:47:57
